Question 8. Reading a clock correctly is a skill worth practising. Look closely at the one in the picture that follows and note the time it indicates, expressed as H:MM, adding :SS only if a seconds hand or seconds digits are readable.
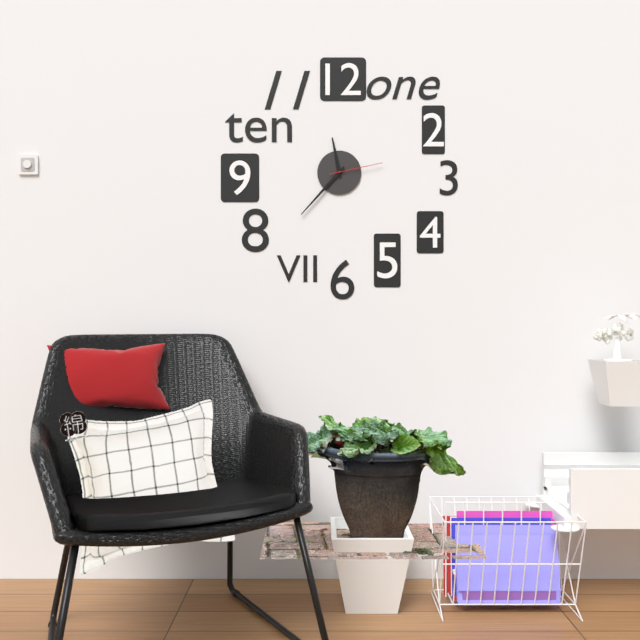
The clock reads 11:37:13
